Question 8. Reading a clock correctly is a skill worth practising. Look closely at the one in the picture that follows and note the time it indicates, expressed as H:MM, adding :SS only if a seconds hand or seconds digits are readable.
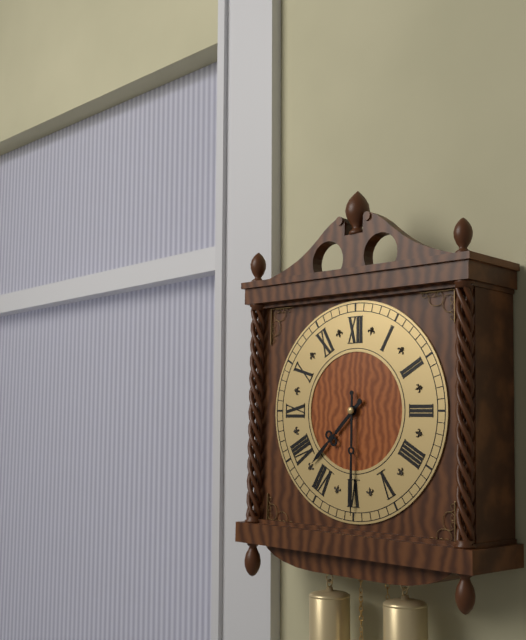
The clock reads 7:30
